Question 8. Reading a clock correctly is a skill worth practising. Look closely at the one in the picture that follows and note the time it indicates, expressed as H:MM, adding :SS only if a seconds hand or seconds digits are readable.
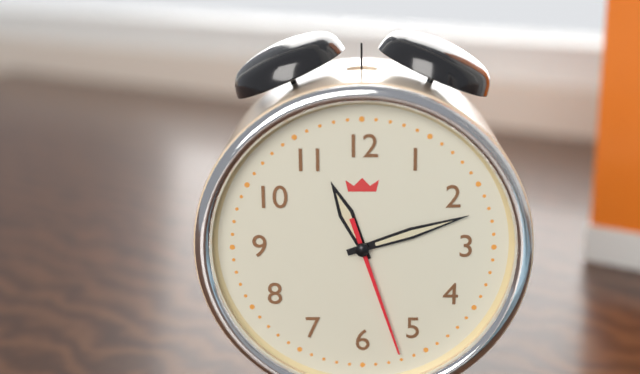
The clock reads 11:12:27
